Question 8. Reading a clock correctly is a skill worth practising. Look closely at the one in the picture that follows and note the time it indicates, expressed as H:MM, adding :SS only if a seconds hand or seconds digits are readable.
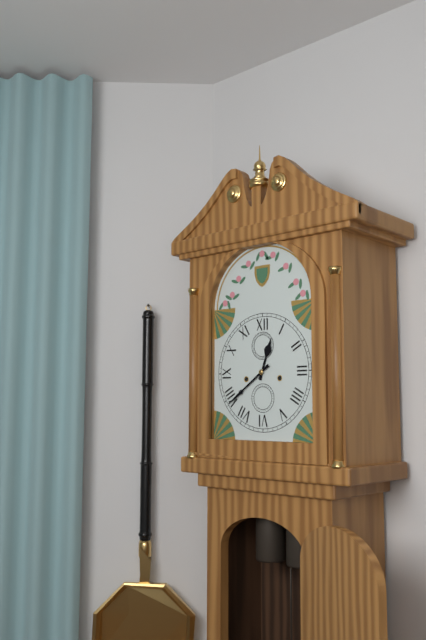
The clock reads 12:39
